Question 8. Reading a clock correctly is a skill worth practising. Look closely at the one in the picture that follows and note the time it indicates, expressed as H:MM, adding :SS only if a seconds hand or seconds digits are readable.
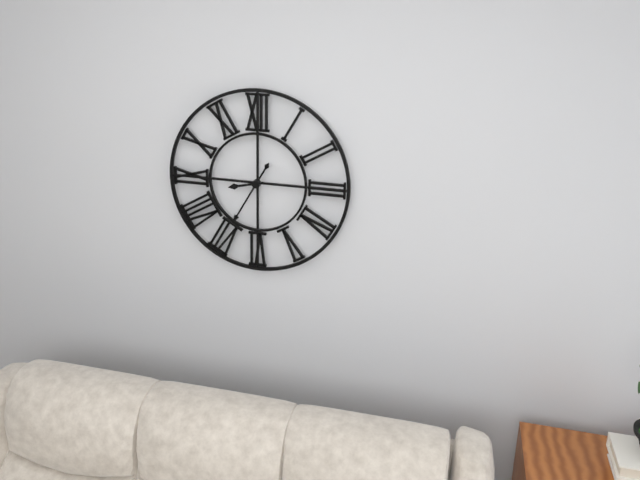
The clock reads 8:35
